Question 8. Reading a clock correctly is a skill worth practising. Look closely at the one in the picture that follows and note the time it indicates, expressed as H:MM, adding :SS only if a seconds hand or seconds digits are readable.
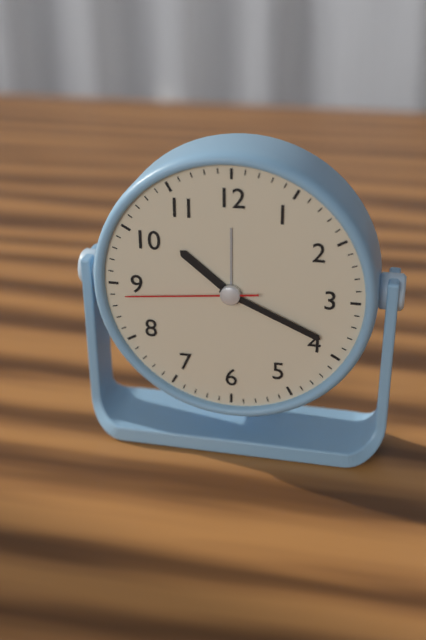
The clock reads 10:19:44
